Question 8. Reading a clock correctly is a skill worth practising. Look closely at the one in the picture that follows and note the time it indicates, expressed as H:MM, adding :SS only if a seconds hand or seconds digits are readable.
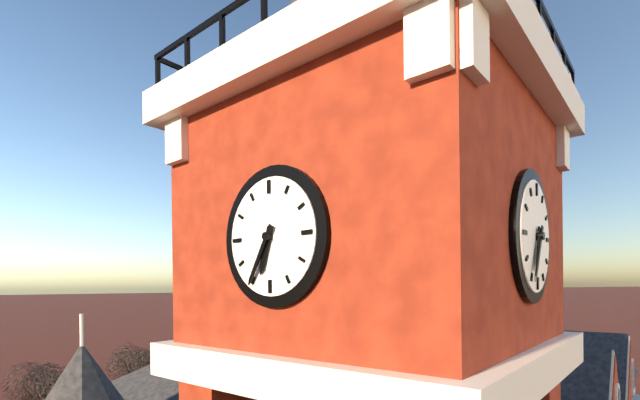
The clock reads 6:35
